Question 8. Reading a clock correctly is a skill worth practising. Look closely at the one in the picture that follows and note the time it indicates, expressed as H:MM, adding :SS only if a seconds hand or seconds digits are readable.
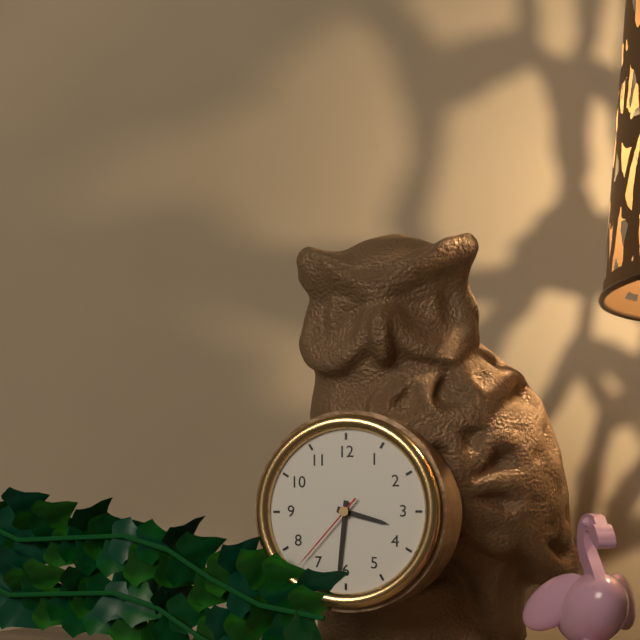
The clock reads 3:31:37
